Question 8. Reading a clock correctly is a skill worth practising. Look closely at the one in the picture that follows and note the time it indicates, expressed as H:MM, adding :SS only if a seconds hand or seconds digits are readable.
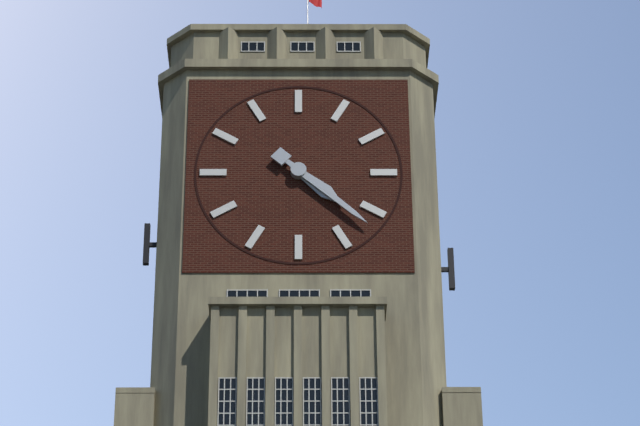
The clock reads 4:22
